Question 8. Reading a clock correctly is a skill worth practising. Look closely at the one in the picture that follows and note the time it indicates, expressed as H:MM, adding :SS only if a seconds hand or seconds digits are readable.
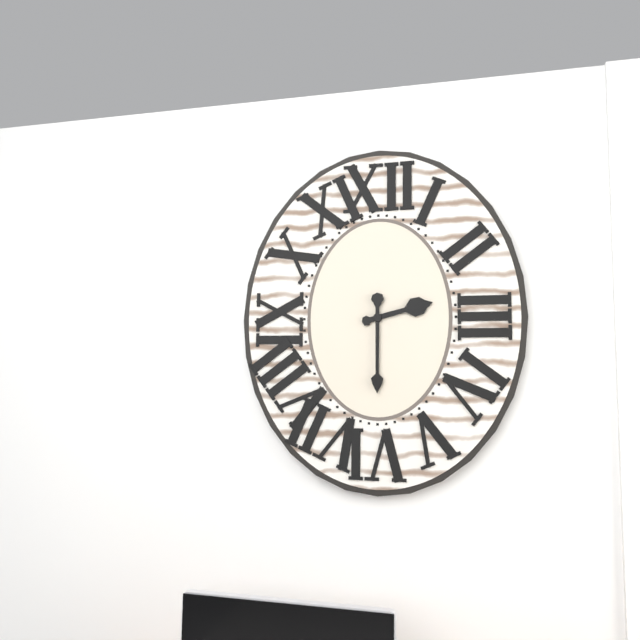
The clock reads 2:30
